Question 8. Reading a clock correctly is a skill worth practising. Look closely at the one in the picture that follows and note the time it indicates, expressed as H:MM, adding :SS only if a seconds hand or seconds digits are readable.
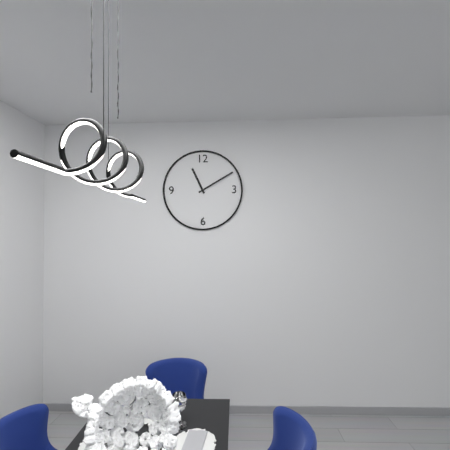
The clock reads 11:10
